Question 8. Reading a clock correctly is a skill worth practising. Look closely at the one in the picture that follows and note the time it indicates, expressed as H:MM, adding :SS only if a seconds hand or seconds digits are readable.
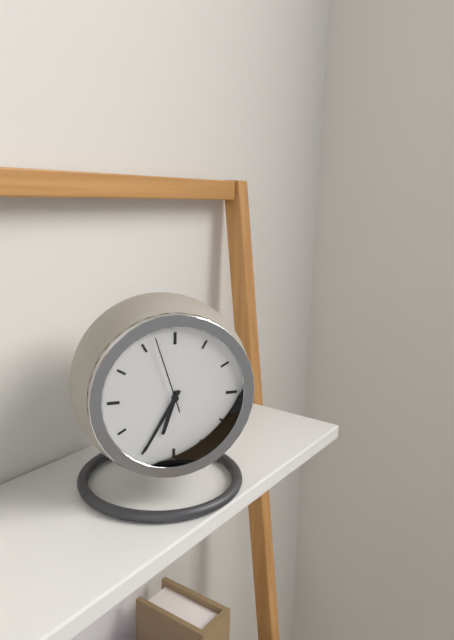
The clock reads 6:35:57
